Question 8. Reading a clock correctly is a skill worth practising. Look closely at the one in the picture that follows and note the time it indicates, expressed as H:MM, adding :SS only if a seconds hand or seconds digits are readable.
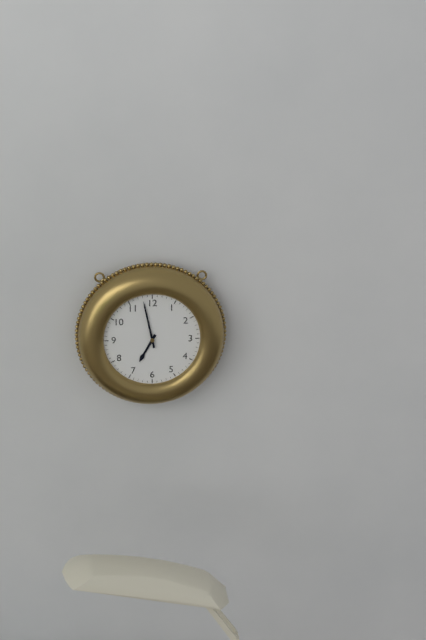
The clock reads 6:58
